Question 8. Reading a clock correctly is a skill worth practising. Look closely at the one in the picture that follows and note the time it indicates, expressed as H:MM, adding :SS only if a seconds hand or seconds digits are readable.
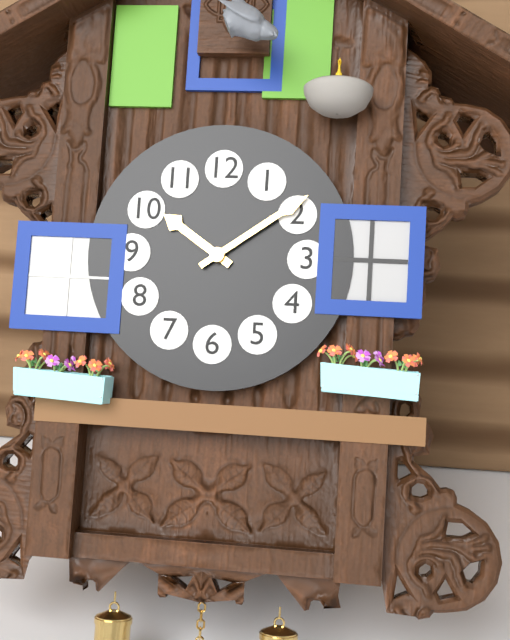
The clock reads 10:09
